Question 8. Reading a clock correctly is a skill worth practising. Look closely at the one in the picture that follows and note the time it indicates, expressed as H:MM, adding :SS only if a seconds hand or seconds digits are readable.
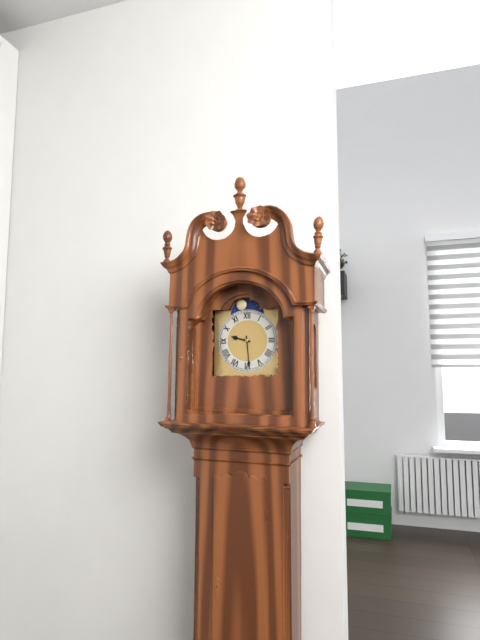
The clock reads 9:29
